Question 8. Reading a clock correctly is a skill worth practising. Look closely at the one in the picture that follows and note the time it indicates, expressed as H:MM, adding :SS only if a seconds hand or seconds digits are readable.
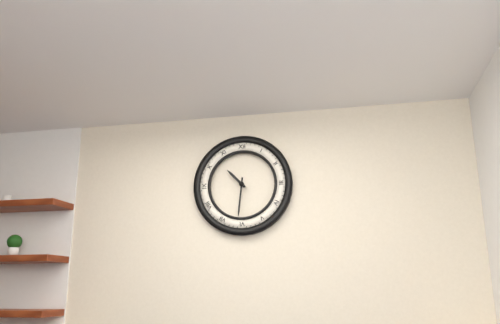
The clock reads 10:31
